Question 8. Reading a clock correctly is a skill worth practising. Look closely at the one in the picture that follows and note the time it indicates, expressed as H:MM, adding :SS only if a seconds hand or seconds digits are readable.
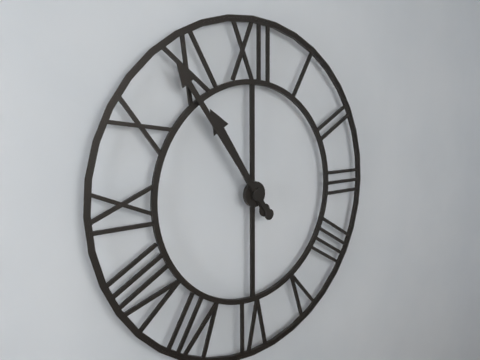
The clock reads 10:54
